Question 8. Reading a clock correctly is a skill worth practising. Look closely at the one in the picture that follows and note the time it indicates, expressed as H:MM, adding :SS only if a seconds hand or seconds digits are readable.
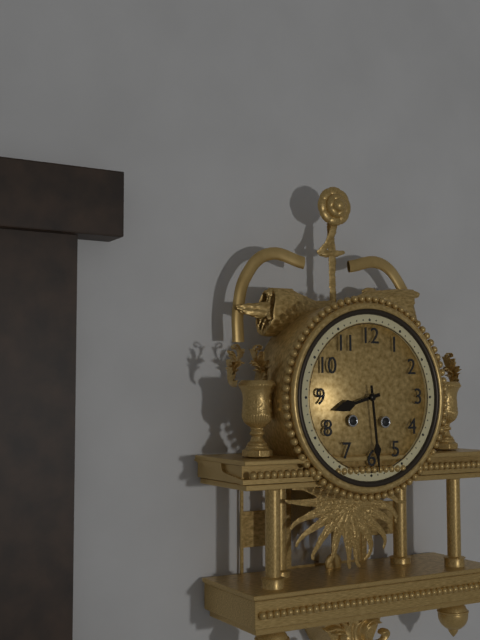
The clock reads 8:29
